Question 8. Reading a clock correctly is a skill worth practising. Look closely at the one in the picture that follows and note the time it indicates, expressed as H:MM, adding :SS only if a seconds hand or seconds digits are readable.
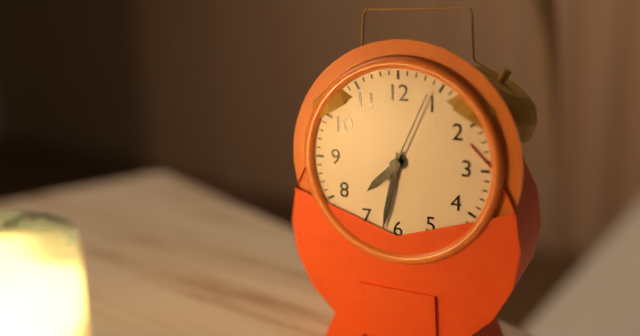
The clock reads 7:32:04
